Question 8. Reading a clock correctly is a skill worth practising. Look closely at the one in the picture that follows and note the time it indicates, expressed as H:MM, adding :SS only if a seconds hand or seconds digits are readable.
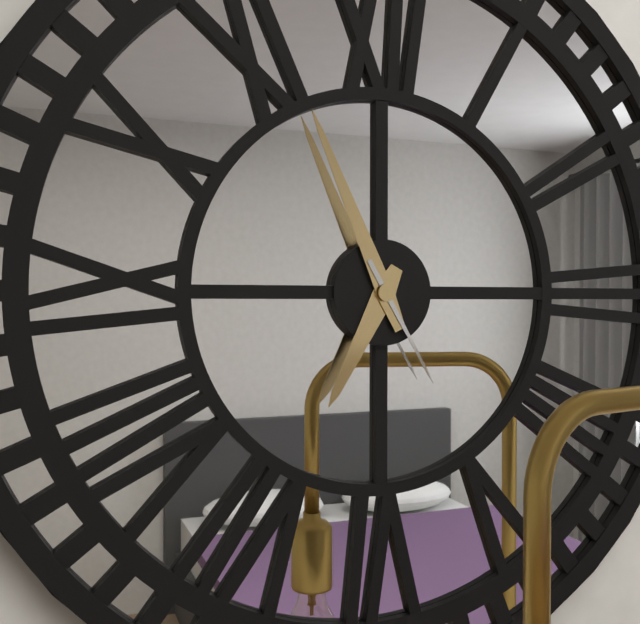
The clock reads 6:56:25
